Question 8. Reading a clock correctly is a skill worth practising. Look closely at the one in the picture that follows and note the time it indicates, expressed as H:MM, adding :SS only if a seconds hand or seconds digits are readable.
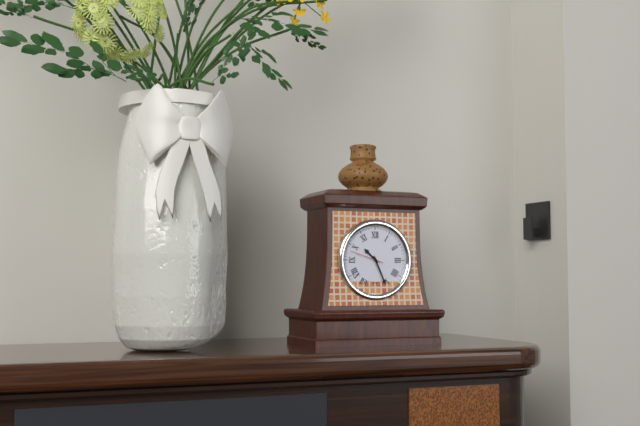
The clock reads 10:26
